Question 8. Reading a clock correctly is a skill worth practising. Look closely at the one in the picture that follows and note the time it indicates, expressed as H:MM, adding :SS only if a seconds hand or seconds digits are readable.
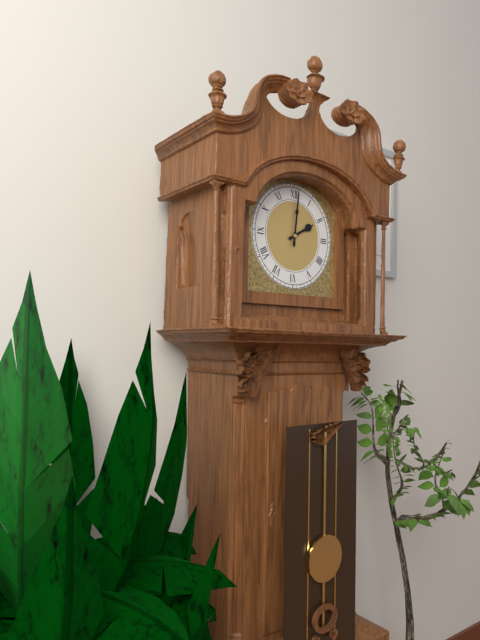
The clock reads 2:01
